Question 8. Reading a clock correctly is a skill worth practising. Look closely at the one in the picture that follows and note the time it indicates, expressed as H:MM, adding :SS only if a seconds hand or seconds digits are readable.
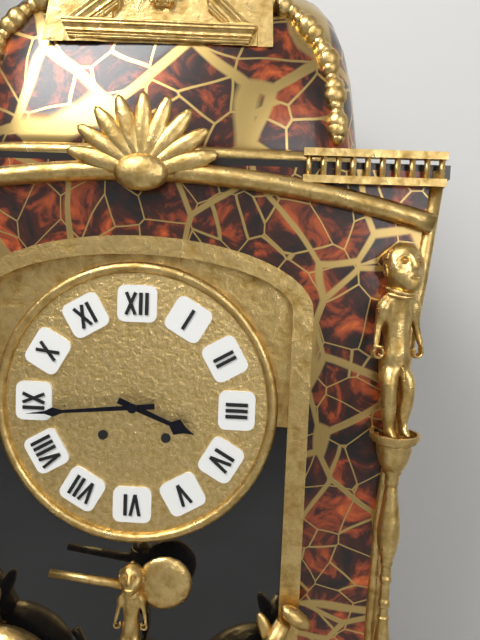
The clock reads 3:44
